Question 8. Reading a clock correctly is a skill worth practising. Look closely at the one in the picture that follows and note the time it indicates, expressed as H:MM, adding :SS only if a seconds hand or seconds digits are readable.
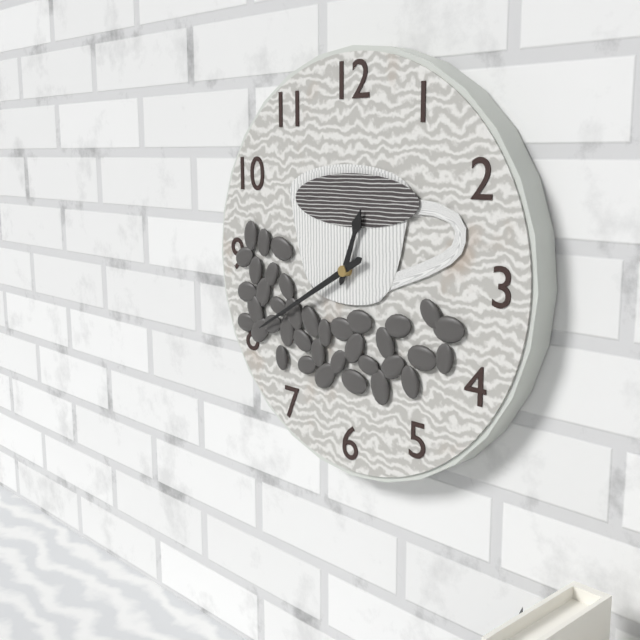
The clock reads 12:40
